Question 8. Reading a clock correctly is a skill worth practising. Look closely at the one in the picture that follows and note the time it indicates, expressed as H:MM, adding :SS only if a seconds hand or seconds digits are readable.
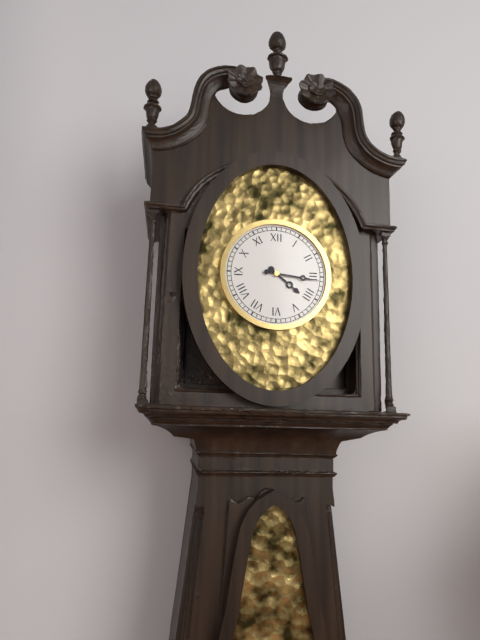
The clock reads 4:16
